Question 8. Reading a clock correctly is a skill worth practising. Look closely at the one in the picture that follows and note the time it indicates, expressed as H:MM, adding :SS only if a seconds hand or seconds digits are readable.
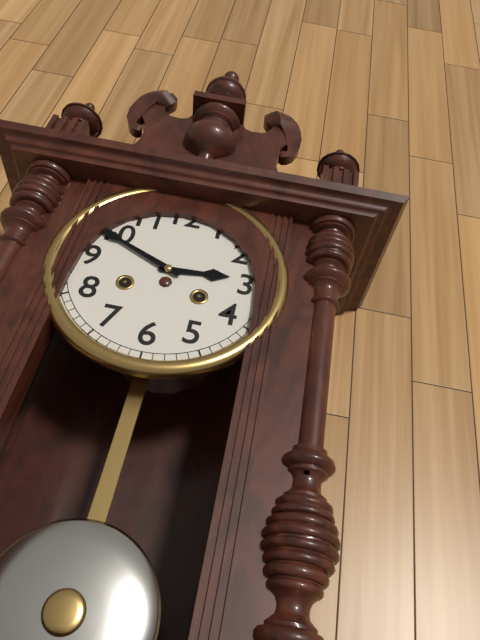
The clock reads 2:49
